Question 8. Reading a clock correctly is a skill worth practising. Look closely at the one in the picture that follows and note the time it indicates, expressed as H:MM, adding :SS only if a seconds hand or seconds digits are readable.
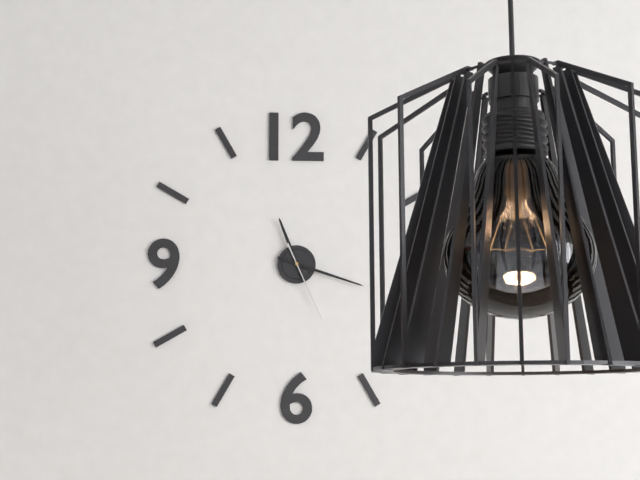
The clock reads 11:18:26
